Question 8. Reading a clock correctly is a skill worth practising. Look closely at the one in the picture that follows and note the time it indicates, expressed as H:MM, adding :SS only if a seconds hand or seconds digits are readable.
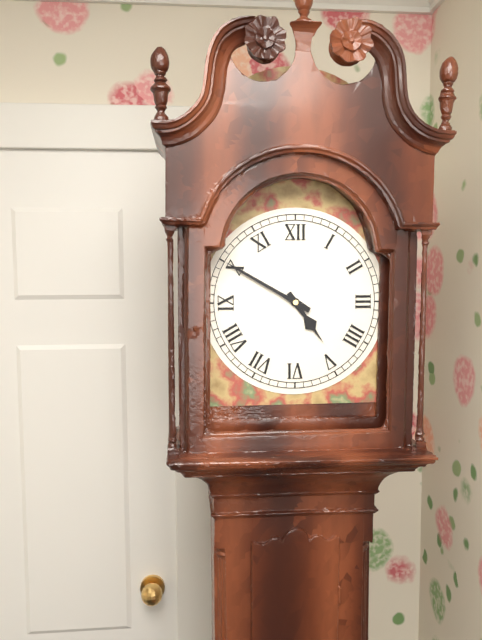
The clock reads 4:50
